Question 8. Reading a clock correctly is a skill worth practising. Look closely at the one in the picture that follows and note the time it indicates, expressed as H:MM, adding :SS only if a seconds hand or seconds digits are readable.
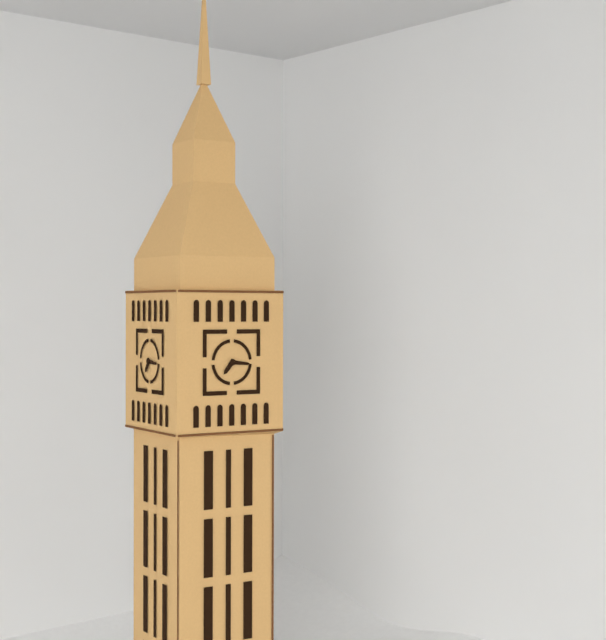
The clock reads 7:16
